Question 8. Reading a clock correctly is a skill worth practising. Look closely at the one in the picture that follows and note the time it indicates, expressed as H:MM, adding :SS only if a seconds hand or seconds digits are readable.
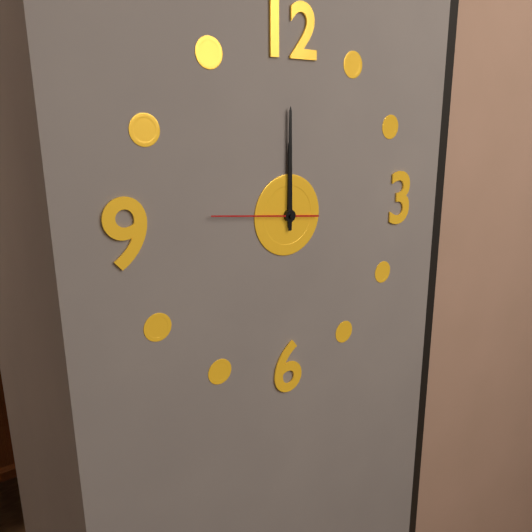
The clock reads 12:00:46
